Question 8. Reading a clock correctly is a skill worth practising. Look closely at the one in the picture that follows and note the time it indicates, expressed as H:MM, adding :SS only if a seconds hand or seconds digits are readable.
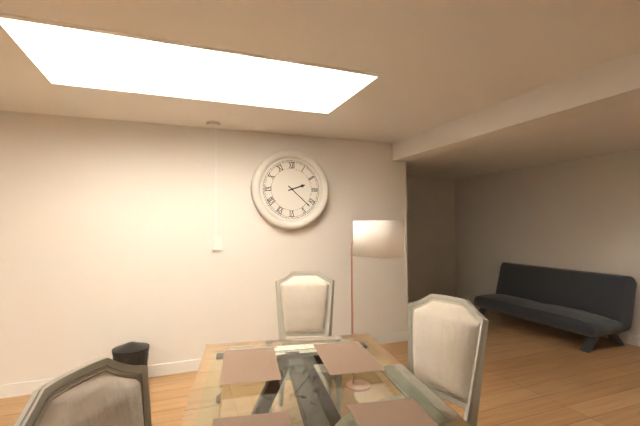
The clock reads 2:22
